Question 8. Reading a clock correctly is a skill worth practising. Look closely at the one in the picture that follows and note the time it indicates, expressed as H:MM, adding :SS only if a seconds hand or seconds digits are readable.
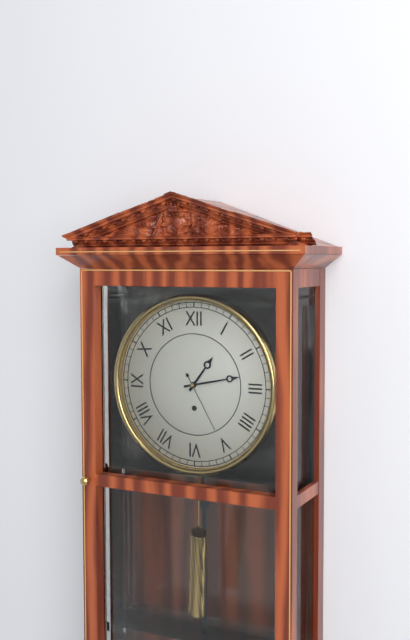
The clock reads 1:13:25
